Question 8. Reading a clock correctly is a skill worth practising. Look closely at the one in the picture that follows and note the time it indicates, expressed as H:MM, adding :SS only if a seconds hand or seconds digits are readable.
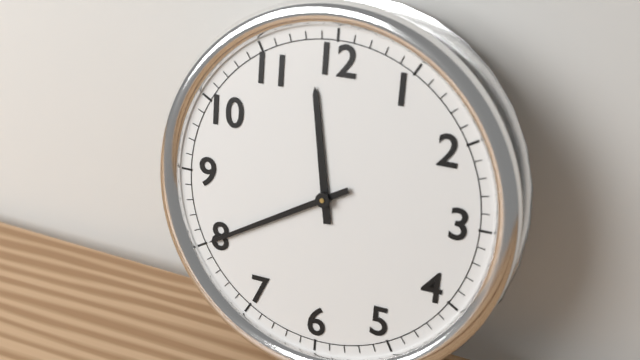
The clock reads 11:40
